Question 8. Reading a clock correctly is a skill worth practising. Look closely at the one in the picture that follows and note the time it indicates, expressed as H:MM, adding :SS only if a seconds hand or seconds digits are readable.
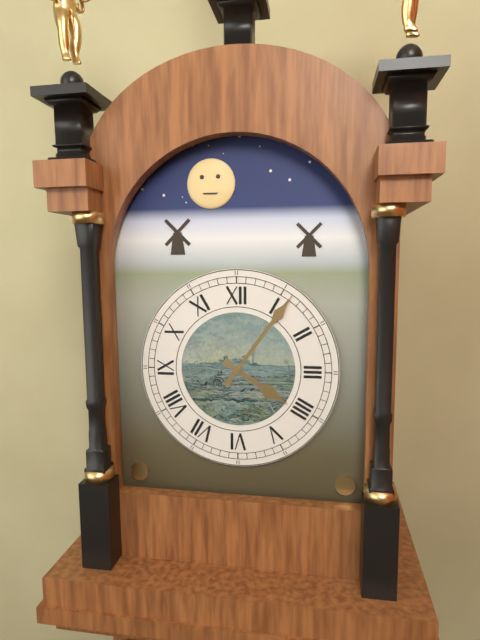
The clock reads 4:06
